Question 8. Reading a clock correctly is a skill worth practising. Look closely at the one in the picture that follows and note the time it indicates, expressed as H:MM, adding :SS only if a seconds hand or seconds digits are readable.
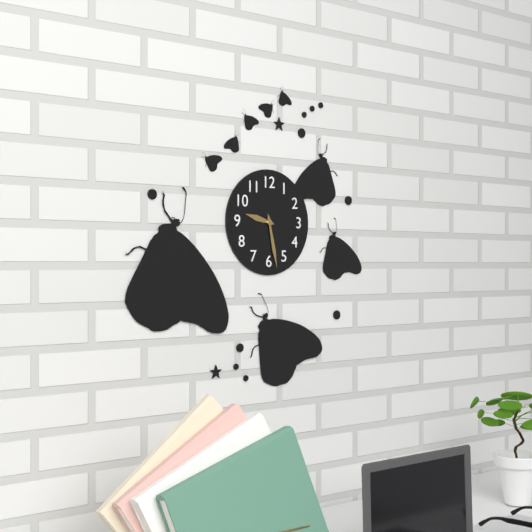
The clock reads 9:28
